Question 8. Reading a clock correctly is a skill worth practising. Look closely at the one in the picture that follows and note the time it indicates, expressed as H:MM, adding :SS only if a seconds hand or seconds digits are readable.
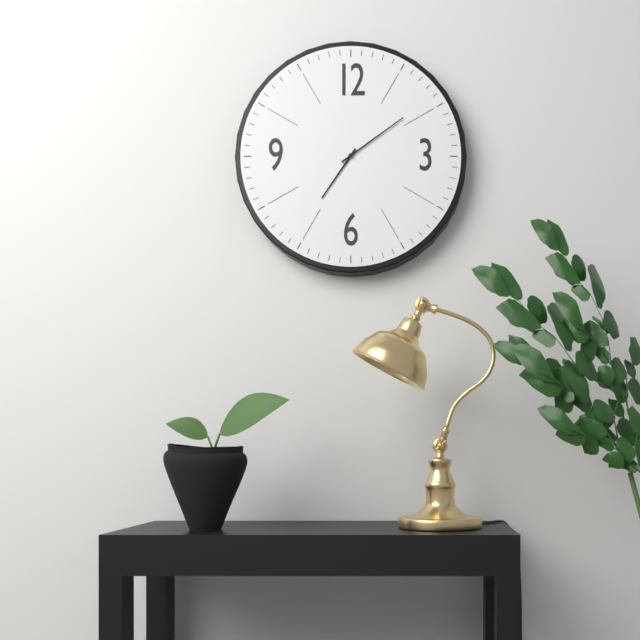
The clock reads 7:09
